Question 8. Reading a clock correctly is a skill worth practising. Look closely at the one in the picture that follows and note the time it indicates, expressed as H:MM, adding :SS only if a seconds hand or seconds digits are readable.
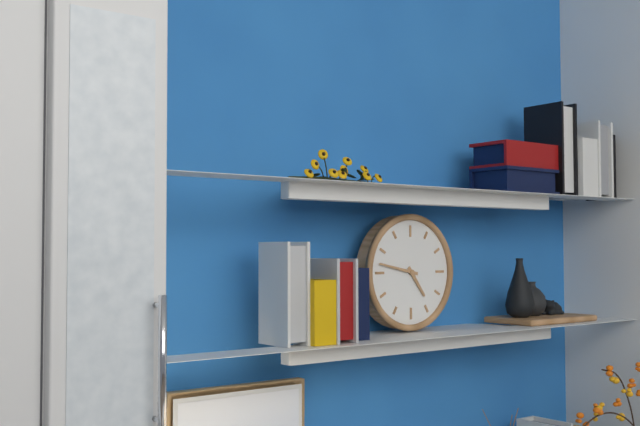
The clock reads 4:47
